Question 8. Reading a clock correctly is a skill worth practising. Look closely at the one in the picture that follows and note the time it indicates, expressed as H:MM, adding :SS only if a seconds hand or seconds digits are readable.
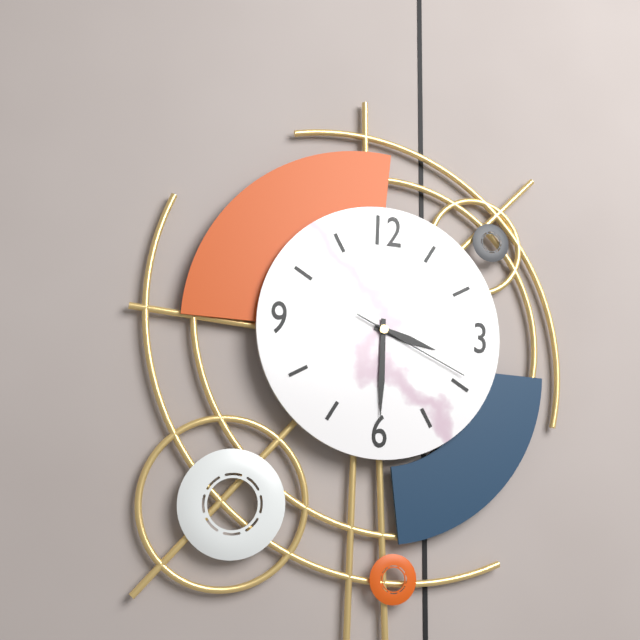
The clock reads 3:30:19
